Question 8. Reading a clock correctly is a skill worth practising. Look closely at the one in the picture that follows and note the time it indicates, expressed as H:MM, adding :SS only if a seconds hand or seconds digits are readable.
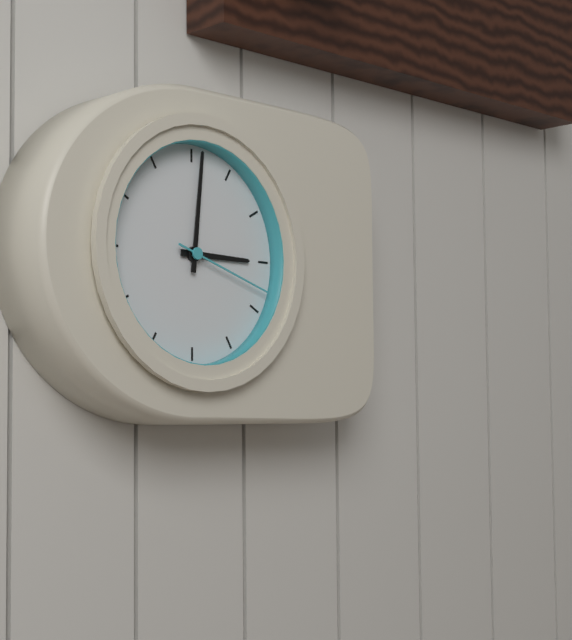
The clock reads 3:01:18
